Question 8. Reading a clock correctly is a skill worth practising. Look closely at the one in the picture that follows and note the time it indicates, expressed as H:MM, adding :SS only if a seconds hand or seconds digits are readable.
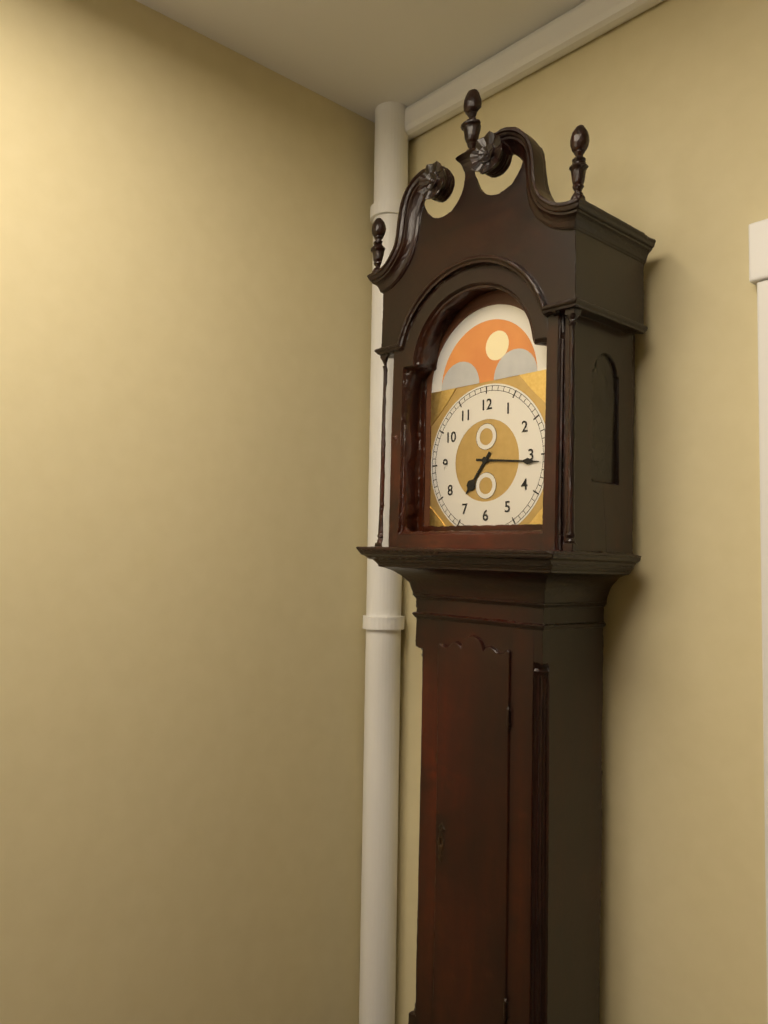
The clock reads 7:16
